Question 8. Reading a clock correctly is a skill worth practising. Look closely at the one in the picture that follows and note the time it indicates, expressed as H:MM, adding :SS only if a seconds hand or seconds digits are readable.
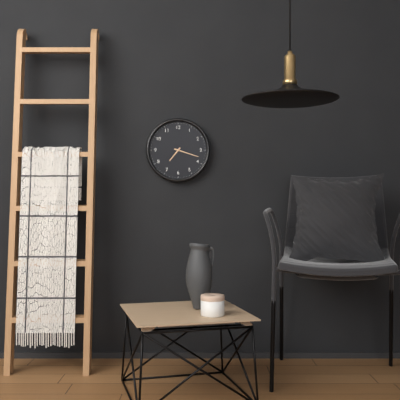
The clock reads 7:18
